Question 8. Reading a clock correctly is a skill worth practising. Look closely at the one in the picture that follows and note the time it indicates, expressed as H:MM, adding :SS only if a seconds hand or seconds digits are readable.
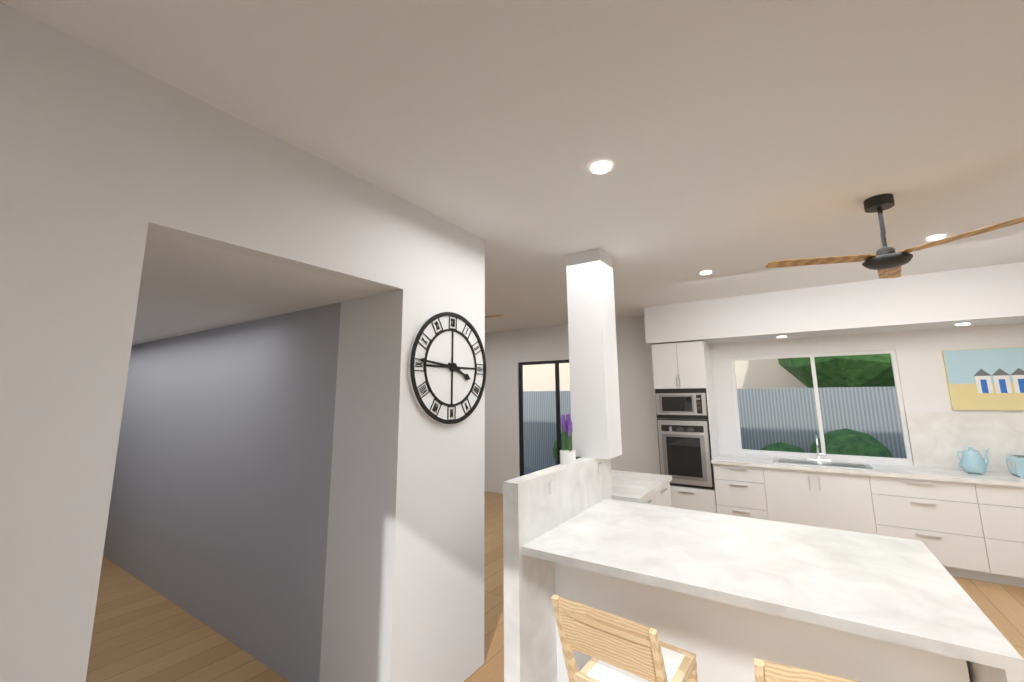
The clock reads 3:46
